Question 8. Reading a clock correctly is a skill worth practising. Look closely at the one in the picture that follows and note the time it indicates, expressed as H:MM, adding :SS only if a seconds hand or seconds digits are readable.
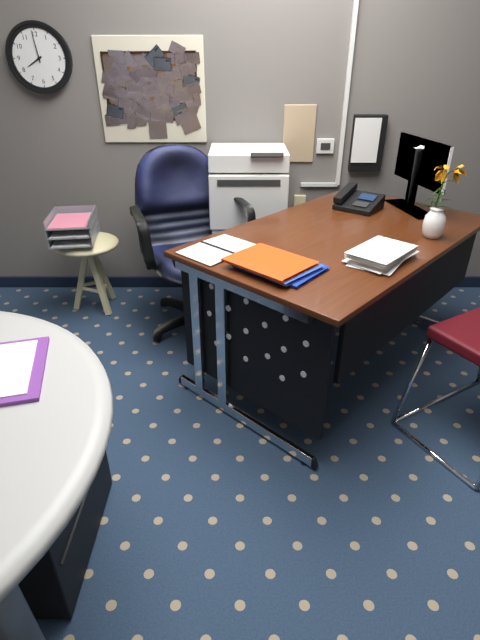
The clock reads 7:59
